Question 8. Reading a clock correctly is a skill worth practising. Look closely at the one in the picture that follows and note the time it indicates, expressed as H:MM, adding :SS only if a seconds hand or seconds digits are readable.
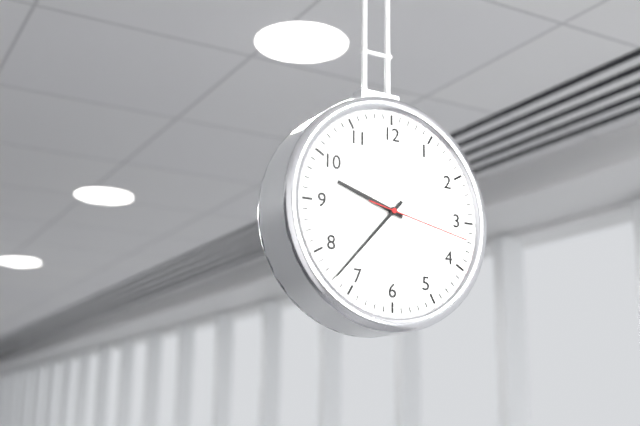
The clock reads 9:37:17
